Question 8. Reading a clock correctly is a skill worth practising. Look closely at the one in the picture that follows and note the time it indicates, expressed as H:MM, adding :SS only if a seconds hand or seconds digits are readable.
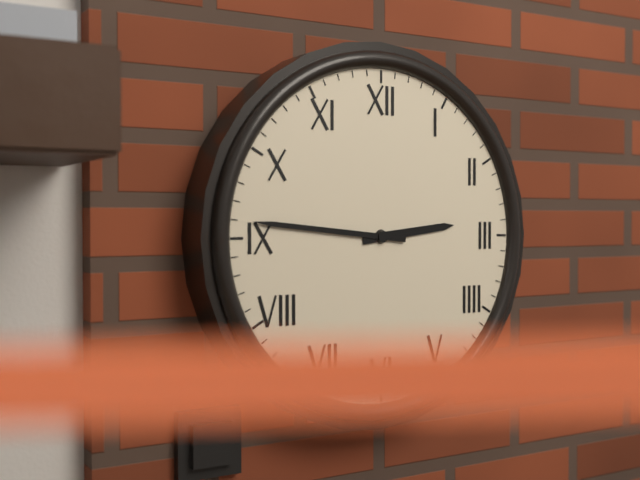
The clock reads 2:46
